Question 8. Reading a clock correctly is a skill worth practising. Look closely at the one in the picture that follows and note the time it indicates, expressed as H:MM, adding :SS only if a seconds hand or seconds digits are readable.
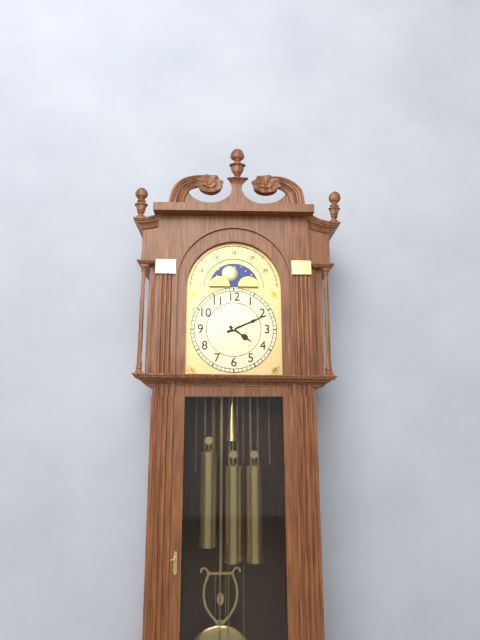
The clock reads 4:11
